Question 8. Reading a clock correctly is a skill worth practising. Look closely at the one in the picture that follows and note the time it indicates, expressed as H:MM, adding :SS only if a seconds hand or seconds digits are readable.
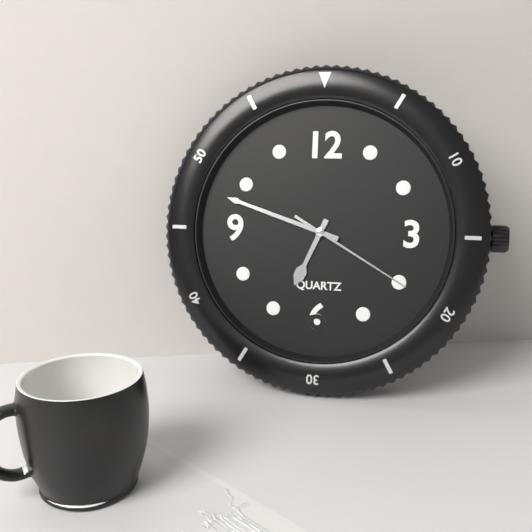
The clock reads 6:48:20
